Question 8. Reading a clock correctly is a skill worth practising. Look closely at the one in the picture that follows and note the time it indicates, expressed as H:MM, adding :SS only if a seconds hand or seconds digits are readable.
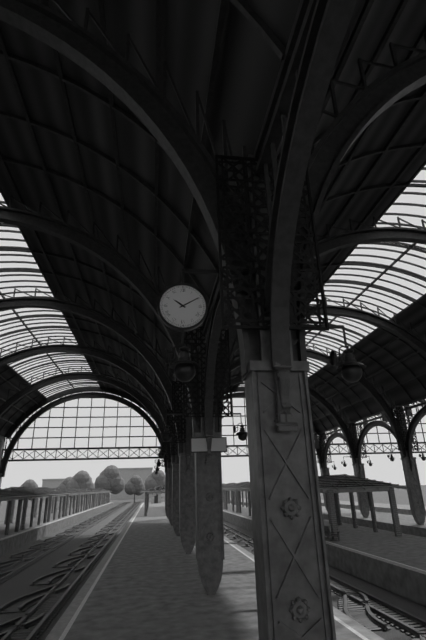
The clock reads 10:10
